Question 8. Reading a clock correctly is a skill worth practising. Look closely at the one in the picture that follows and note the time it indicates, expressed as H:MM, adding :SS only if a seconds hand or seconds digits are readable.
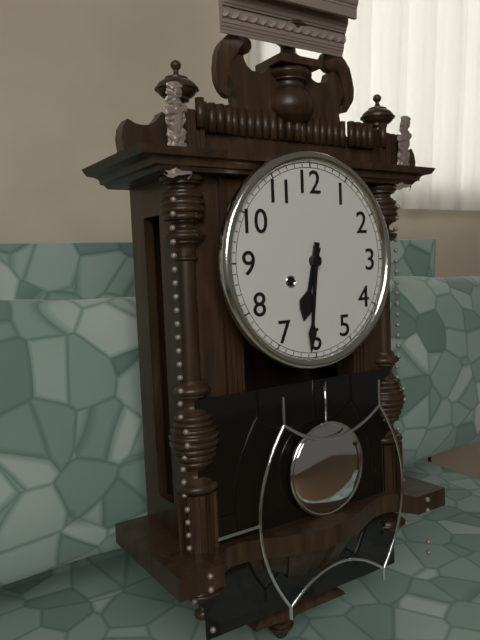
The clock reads 6:31
